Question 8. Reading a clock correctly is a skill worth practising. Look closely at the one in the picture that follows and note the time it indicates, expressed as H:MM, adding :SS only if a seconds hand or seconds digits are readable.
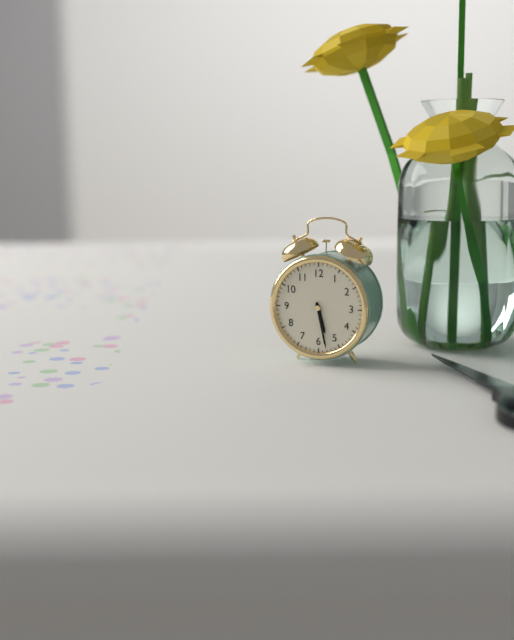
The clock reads 5:28
